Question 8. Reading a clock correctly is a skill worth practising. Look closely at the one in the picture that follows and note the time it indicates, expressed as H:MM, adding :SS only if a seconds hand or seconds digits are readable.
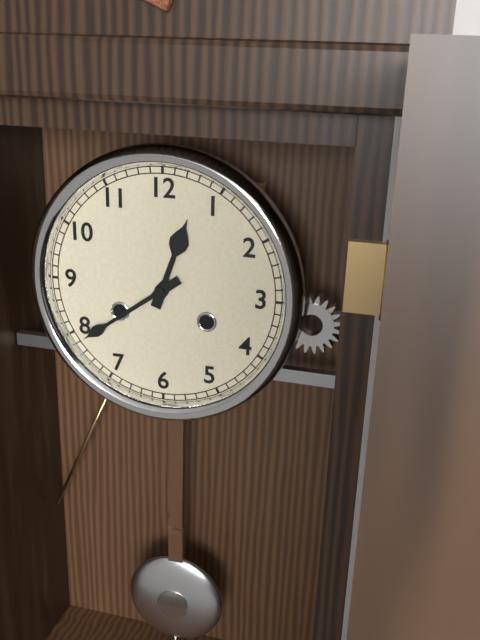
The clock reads 12:39
